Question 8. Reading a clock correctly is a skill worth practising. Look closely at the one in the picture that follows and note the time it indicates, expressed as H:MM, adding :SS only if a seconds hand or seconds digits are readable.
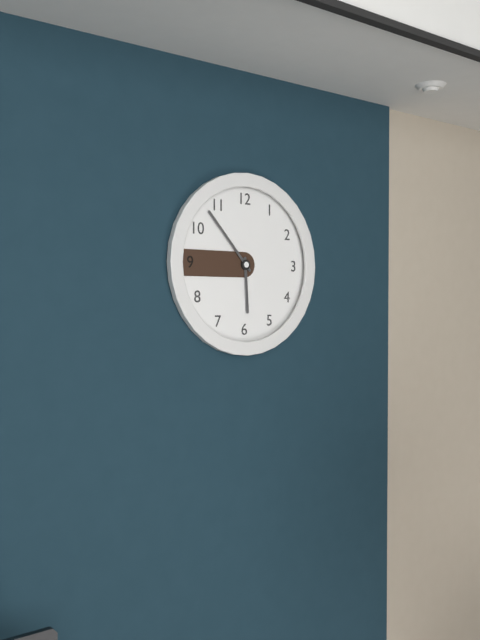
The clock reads 5:53
